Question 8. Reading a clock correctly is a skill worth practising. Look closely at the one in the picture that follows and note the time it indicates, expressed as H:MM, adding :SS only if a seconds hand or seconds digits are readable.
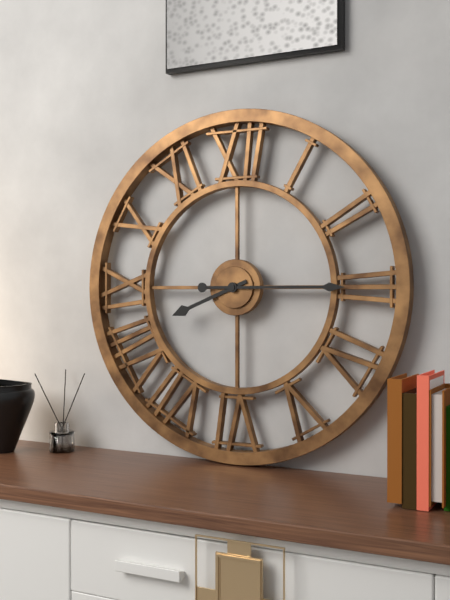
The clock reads 8:15
